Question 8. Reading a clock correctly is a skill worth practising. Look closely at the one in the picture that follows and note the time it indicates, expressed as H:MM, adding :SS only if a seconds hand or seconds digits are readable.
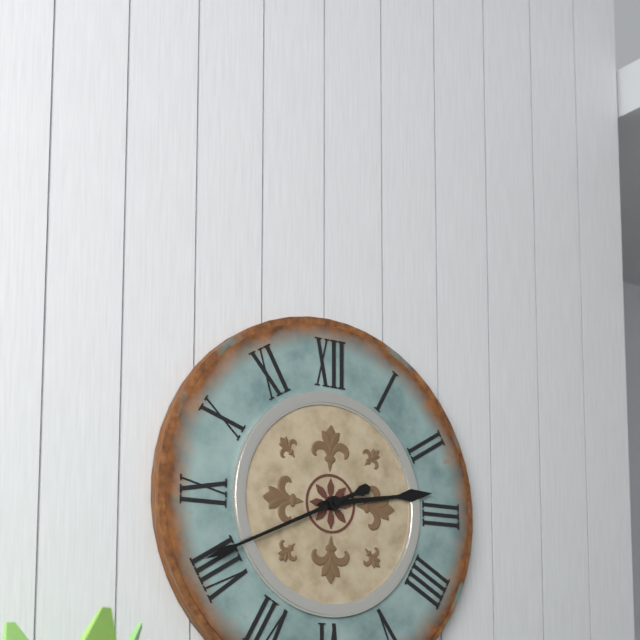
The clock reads 2:41
